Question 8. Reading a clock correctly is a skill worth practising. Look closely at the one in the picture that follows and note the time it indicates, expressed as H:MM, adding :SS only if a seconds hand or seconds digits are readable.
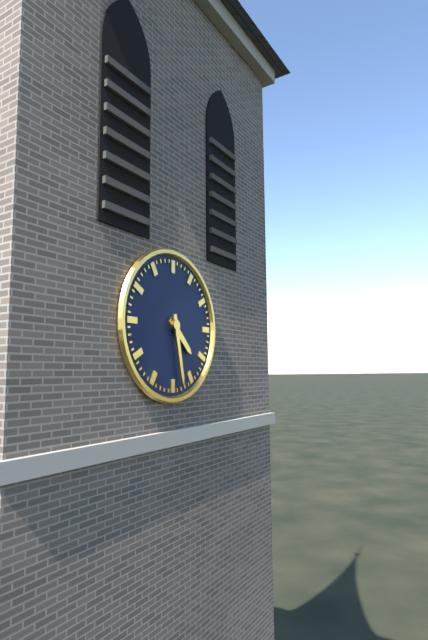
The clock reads 4:28
